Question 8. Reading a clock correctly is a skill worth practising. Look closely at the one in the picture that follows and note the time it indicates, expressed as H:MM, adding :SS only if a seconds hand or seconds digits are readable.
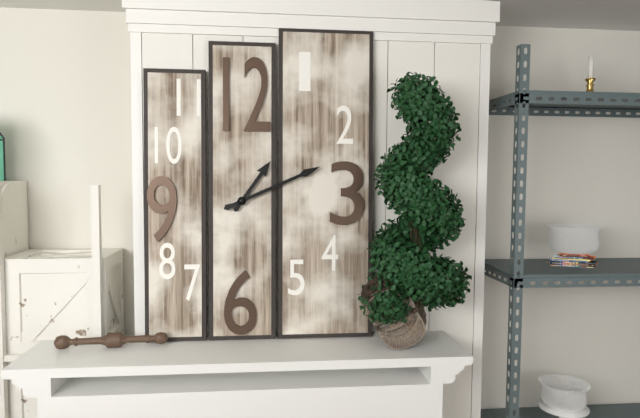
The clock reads 1:11
